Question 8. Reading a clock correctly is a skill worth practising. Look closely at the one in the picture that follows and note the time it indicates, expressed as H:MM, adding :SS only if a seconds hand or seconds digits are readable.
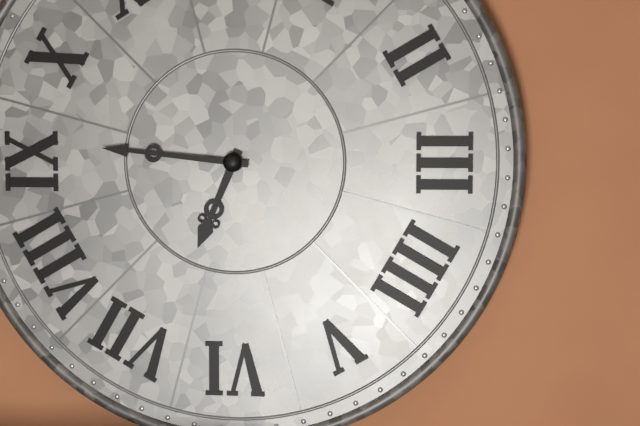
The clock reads 6:46
